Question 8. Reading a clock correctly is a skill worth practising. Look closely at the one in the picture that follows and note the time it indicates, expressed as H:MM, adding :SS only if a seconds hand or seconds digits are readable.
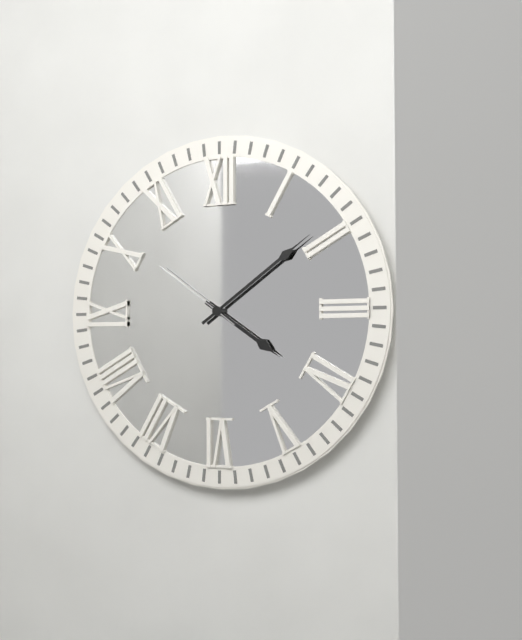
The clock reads 4:09:51
